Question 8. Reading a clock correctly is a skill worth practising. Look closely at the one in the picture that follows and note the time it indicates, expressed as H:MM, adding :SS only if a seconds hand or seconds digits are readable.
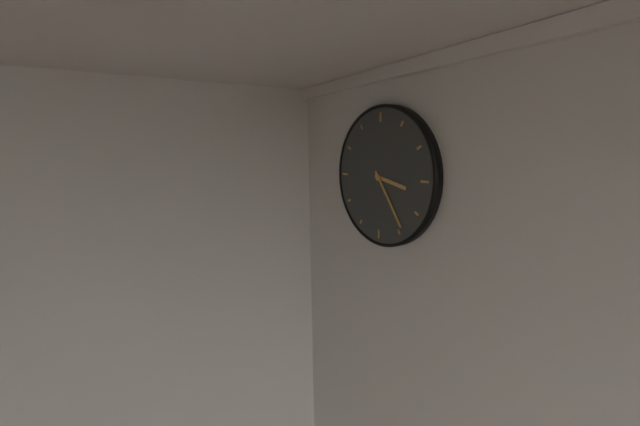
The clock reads 3:24
